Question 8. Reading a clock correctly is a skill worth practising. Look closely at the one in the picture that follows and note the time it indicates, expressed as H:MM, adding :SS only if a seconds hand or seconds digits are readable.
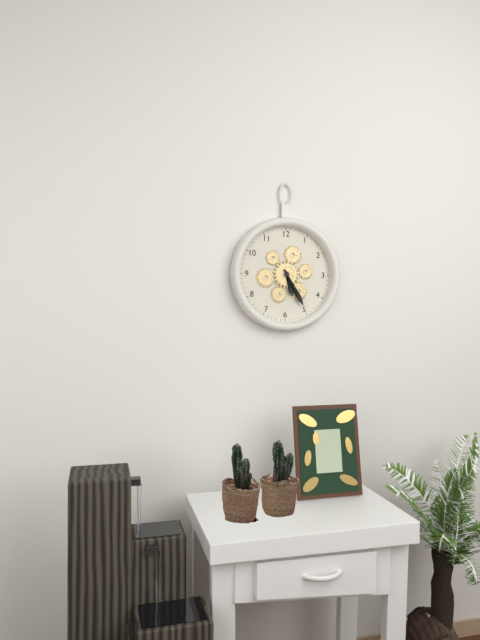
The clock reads 5:25
